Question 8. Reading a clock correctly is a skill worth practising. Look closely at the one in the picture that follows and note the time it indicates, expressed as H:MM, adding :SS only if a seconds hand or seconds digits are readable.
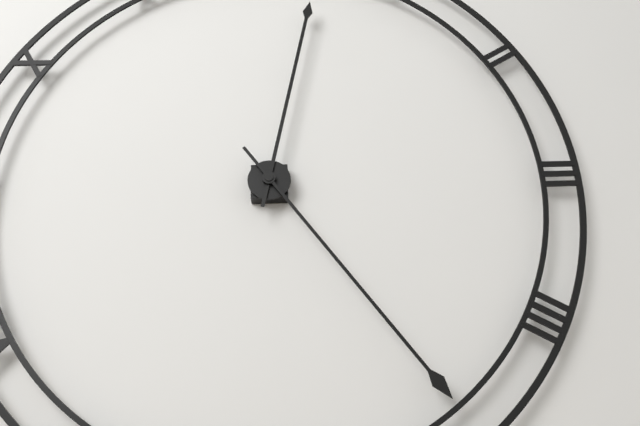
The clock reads 12:24
